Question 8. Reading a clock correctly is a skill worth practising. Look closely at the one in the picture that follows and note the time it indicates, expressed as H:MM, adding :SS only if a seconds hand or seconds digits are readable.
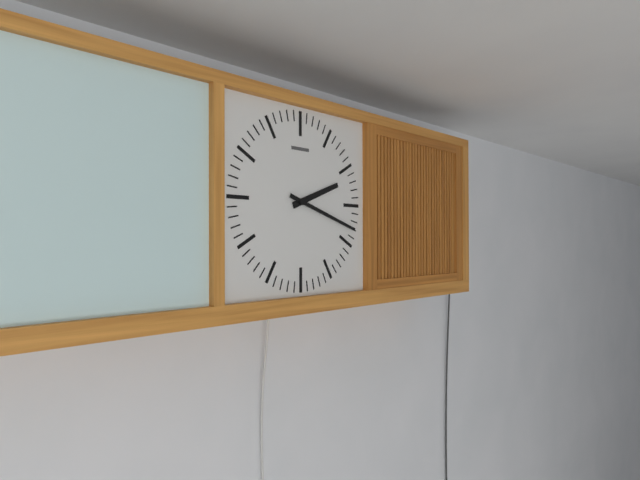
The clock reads 2:18
